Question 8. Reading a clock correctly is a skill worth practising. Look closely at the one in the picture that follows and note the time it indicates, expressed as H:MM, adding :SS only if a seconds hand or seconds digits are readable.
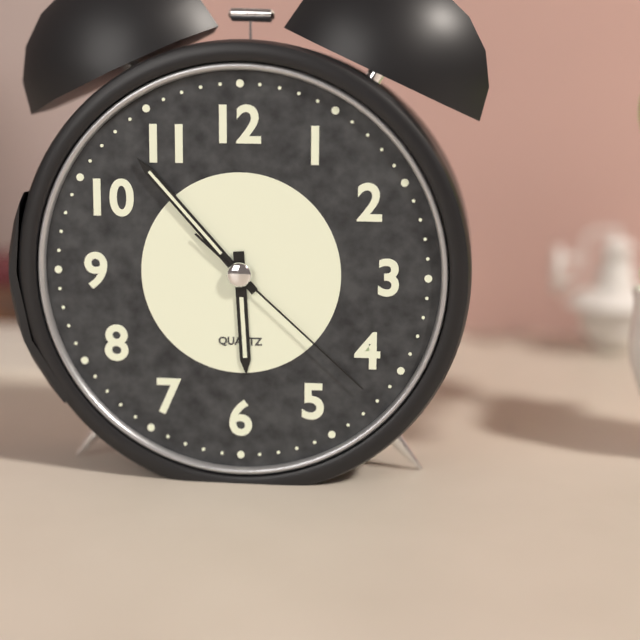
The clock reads 5:53:22
